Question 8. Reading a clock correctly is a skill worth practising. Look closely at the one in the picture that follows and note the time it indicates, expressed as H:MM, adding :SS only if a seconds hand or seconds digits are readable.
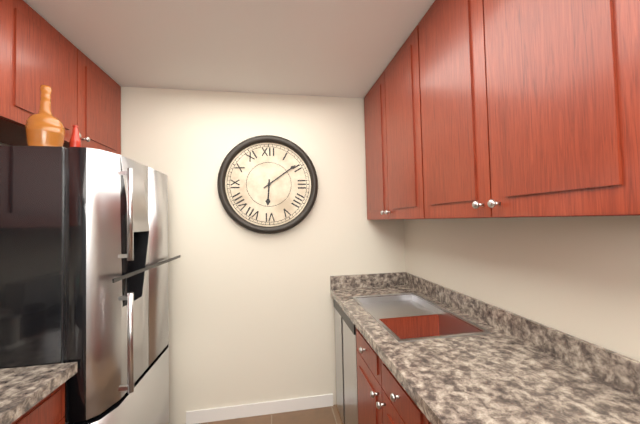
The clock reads 6:09
